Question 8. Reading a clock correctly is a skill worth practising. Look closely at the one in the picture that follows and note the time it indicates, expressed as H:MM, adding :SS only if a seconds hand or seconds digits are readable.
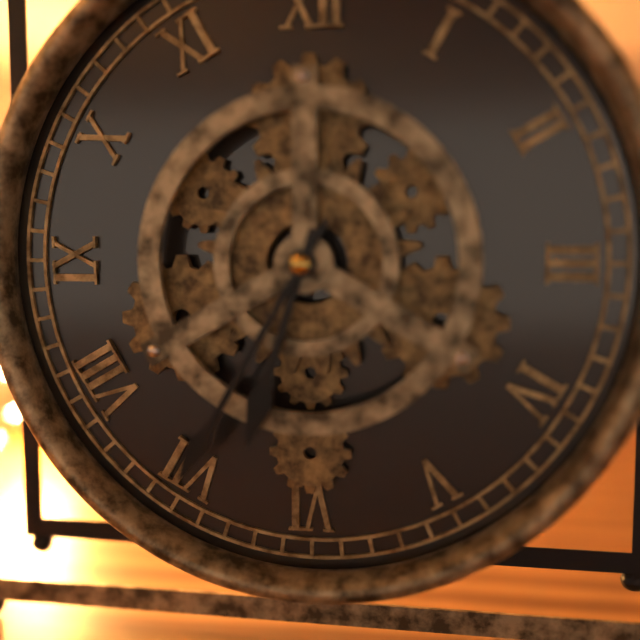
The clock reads 6:35
